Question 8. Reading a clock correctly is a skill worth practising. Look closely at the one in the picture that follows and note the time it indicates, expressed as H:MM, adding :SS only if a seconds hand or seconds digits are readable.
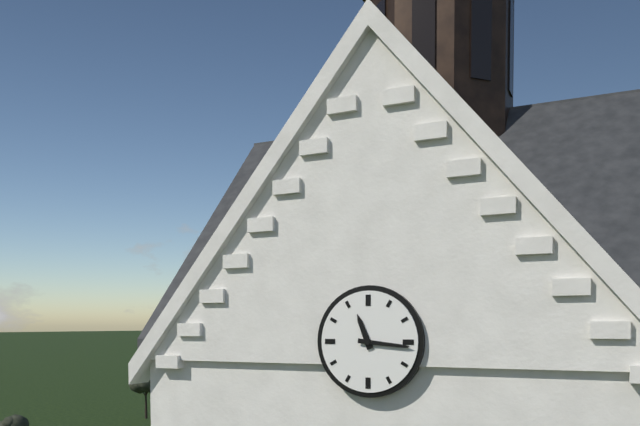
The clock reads 11:16
